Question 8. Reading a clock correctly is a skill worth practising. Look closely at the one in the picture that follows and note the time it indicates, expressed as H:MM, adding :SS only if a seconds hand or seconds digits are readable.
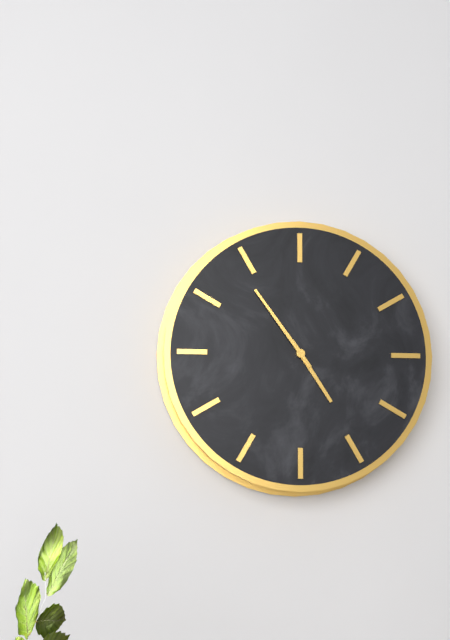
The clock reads 4:54
